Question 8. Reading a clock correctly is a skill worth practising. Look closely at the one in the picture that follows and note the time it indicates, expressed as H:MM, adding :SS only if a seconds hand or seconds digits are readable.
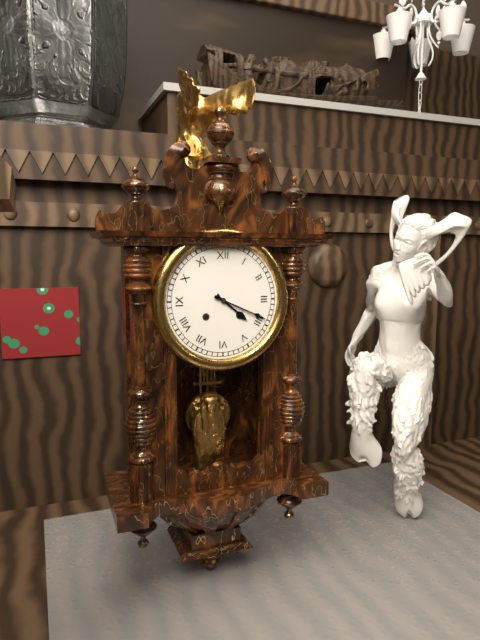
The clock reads 4:19
